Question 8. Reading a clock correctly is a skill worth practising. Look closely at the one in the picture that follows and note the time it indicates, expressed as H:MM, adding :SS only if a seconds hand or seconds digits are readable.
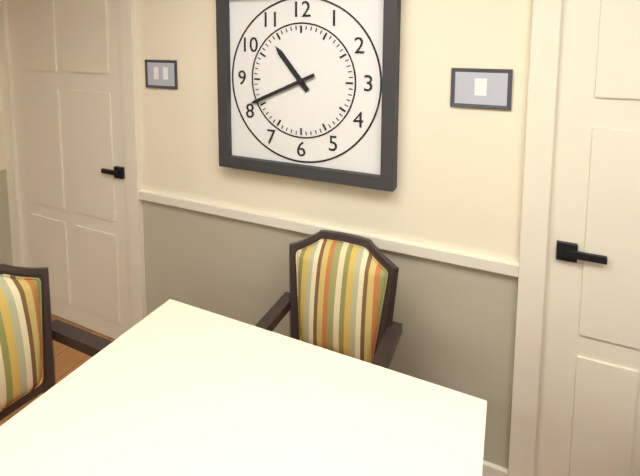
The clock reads 10:41
